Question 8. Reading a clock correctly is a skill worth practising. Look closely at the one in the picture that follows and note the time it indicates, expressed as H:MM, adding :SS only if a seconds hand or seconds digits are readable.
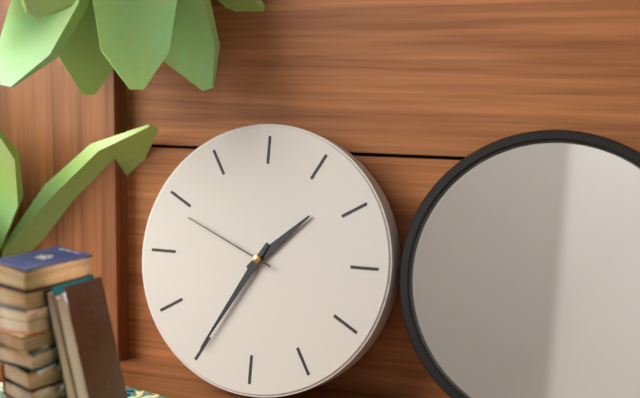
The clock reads 1:35:49
